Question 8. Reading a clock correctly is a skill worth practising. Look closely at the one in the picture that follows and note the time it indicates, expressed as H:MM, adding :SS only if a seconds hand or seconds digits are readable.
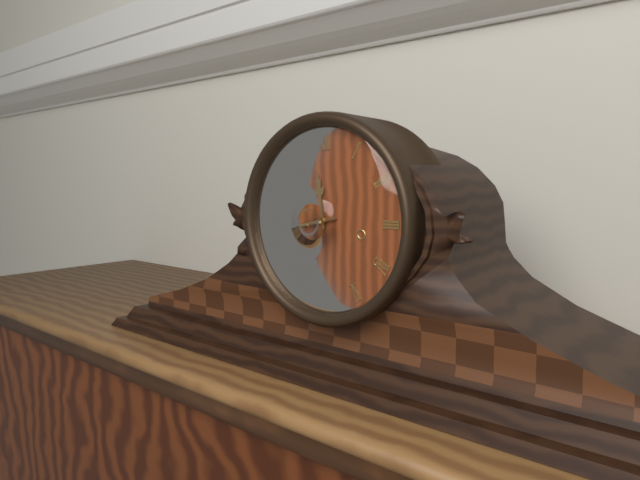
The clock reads 11:43
